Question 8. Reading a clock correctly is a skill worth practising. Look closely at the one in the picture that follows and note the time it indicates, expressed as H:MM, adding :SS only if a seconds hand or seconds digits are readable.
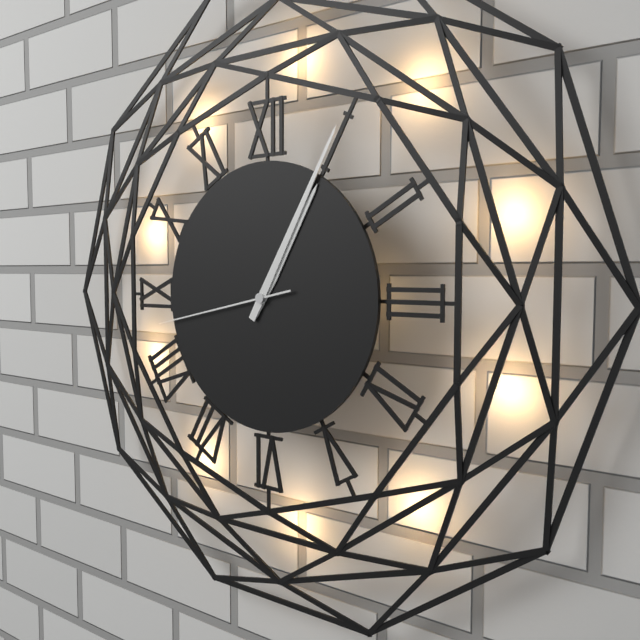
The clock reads 1:05:43
